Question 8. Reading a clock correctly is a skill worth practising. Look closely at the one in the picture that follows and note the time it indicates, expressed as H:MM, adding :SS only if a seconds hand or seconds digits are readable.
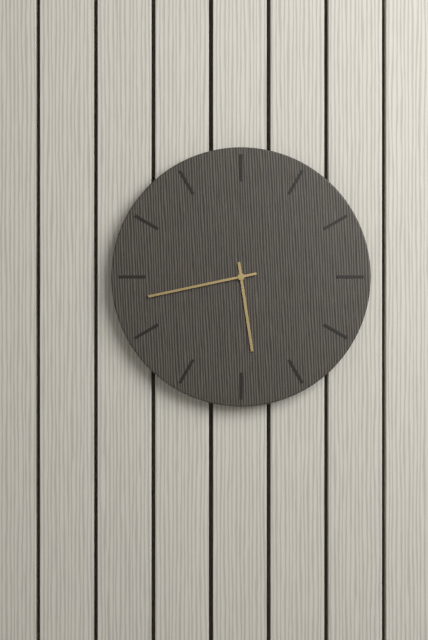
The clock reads 5:43
